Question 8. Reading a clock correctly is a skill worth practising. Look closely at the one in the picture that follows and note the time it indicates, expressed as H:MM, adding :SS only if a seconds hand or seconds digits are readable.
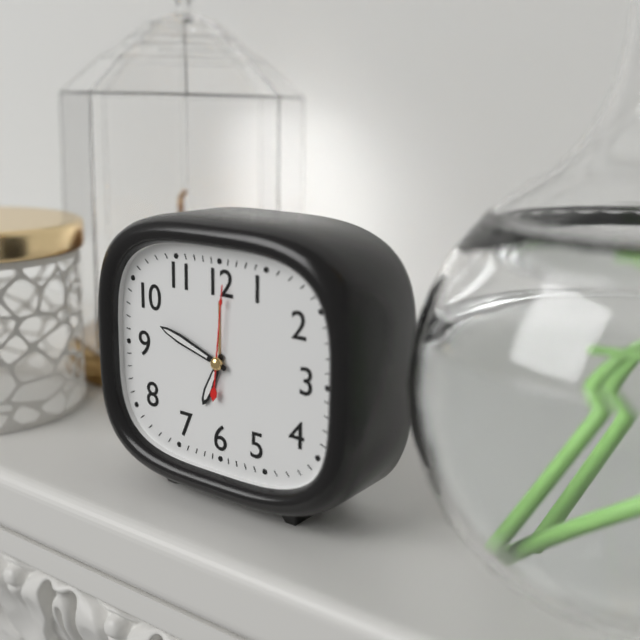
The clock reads 6:48:01
